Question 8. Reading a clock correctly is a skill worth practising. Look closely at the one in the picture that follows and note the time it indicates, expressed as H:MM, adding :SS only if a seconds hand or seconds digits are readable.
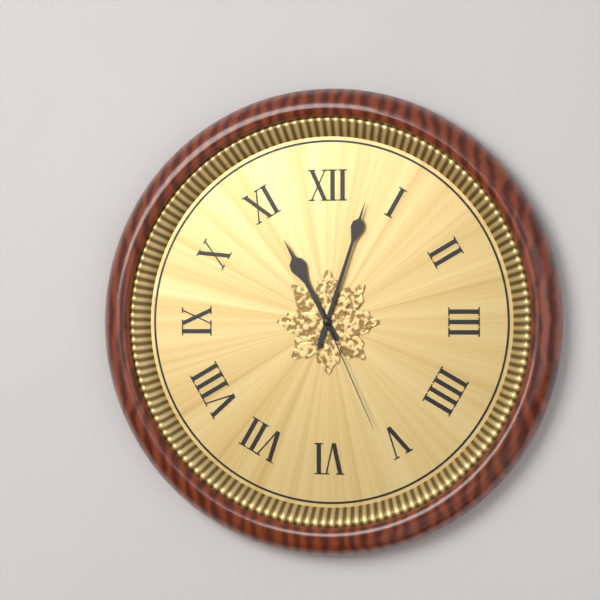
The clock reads 11:03:26
